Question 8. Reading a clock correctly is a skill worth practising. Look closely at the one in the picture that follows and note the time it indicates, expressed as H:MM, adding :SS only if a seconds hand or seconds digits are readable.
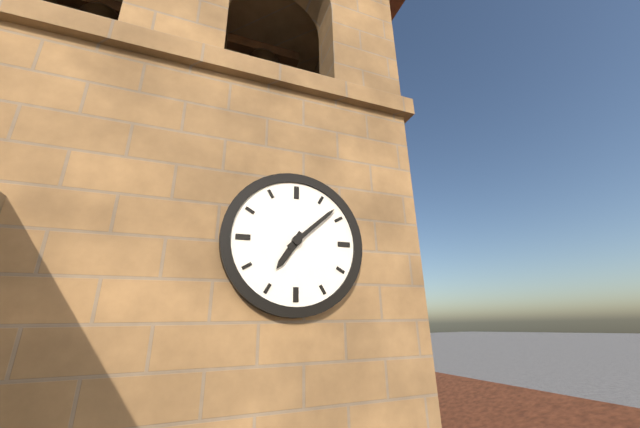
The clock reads 7:08
